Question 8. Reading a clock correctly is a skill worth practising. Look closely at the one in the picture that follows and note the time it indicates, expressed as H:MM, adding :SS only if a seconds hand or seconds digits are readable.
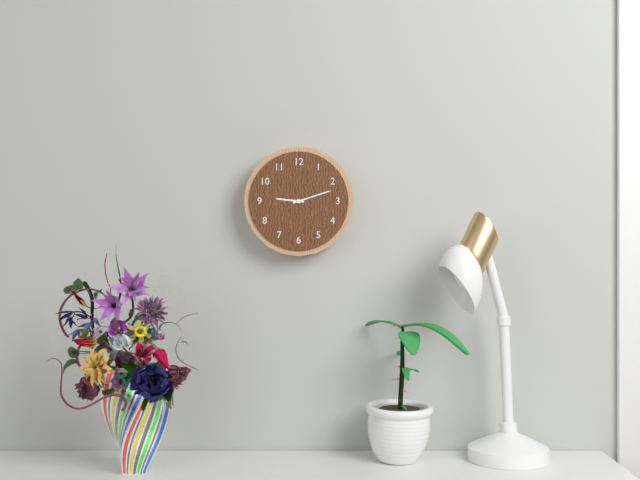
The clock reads 9:12
